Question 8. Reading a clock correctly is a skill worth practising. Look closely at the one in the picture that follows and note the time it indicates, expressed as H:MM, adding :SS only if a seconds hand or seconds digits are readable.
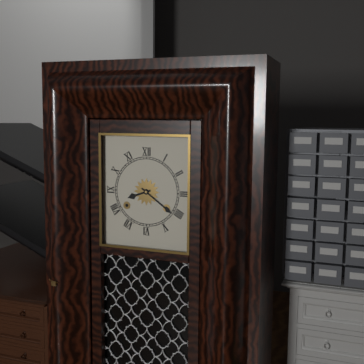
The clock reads 8:21
